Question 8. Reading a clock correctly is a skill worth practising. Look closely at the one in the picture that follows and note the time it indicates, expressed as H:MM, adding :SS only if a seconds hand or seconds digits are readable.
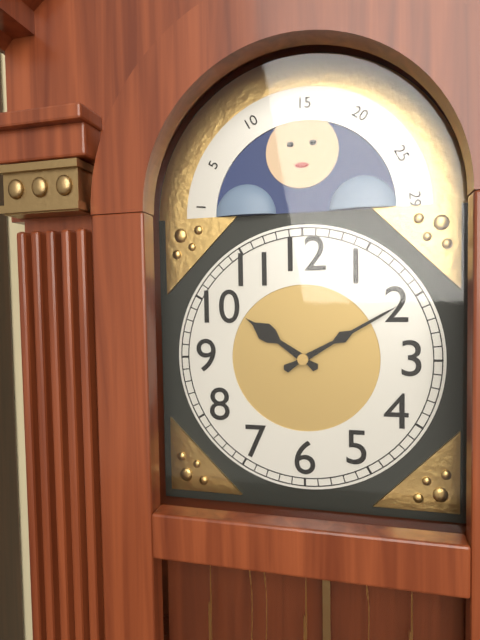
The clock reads 10:10
